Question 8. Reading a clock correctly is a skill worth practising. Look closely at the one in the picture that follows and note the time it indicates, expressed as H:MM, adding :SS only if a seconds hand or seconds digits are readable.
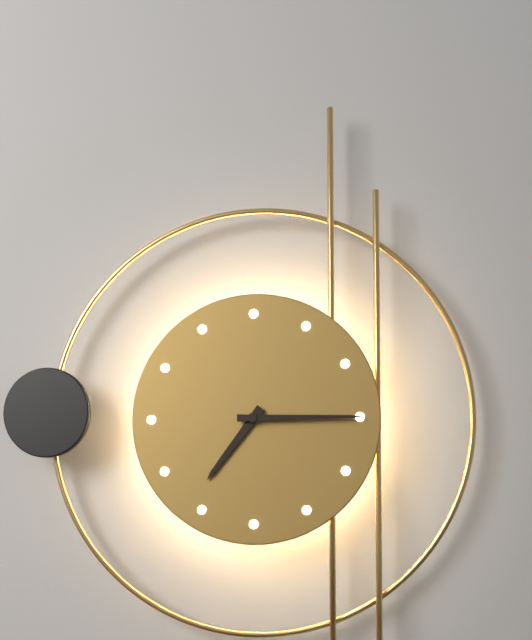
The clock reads 7:15
